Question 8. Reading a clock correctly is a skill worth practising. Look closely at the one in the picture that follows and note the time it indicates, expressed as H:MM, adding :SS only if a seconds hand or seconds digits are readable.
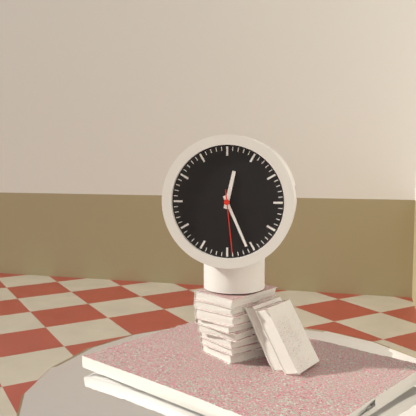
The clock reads 12:26:29
